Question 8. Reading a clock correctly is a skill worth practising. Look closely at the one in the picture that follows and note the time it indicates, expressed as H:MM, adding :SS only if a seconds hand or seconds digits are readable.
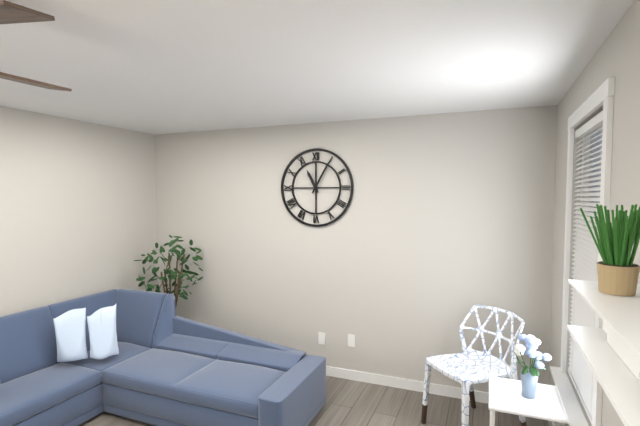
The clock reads 11:05
